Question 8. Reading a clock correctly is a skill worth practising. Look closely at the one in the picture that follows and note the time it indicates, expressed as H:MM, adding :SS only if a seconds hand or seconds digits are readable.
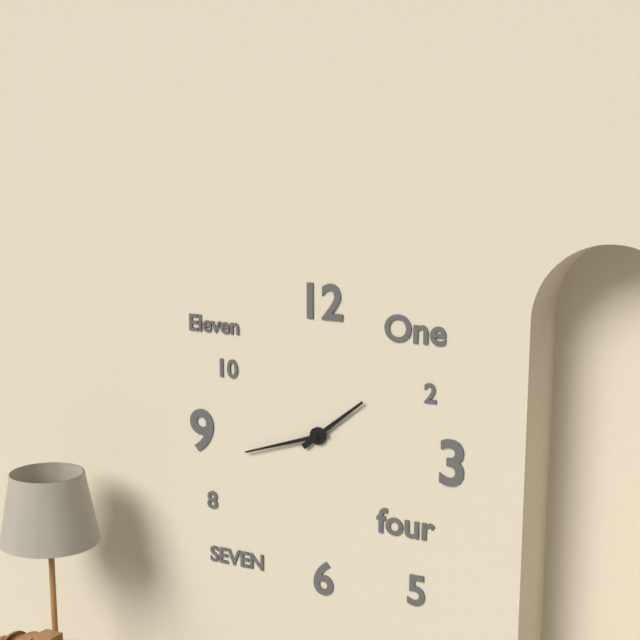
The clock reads 1:42
